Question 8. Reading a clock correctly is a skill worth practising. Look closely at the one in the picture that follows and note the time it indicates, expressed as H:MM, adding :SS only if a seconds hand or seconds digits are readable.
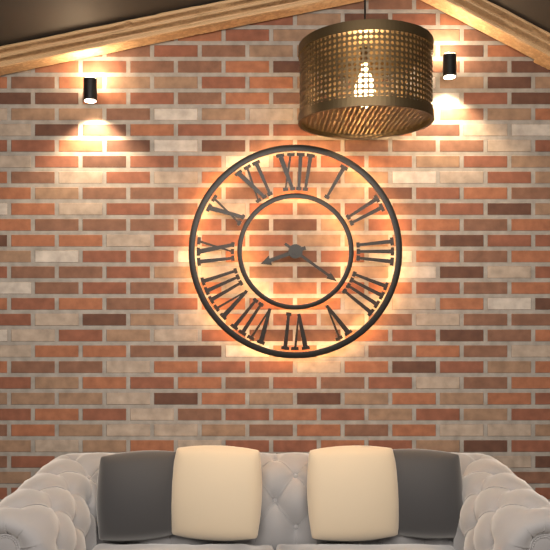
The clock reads 8:21
